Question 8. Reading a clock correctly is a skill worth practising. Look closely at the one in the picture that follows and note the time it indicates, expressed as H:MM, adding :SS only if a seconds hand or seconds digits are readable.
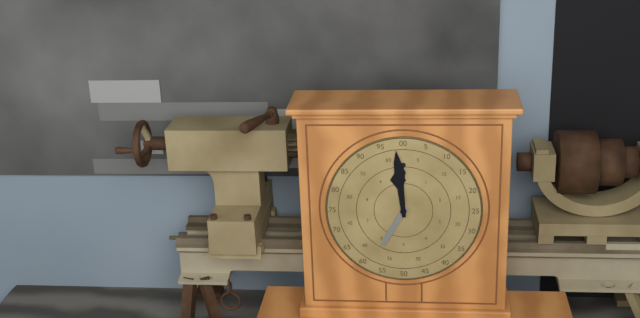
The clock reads 6:59
